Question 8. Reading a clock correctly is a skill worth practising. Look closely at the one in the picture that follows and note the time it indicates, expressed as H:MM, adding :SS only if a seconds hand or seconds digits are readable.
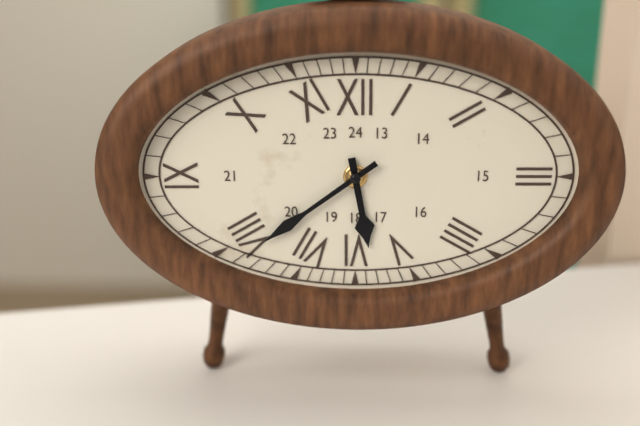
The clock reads 5:39
